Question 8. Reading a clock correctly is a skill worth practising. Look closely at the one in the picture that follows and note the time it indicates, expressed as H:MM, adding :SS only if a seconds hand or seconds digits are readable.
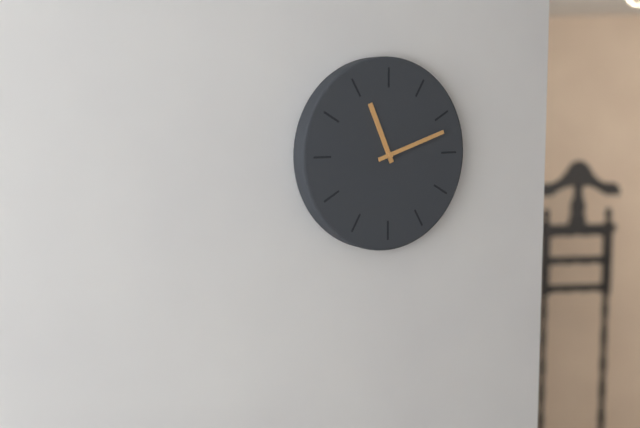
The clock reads 11:12
